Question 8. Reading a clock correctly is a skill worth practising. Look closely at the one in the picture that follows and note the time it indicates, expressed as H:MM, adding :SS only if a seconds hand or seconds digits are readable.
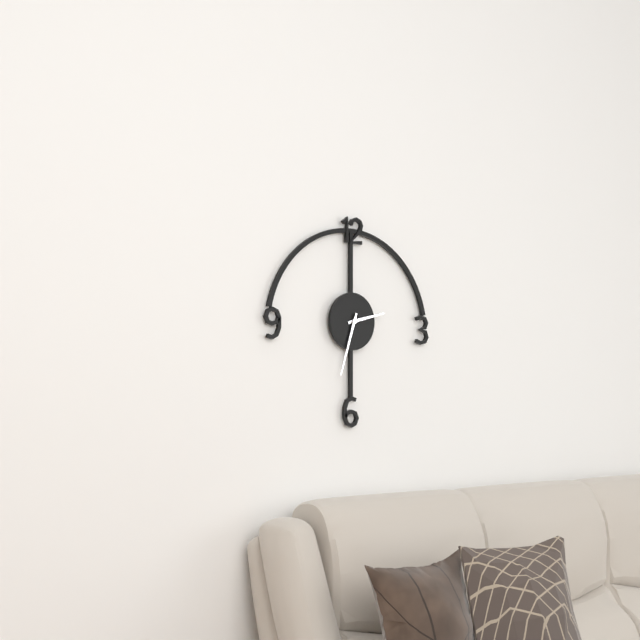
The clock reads 2:33
